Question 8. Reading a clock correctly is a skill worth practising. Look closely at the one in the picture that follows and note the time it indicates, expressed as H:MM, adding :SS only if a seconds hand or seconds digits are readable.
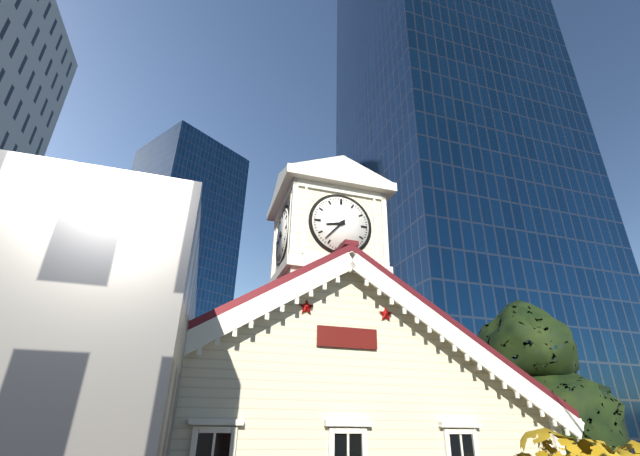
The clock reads 8:37
